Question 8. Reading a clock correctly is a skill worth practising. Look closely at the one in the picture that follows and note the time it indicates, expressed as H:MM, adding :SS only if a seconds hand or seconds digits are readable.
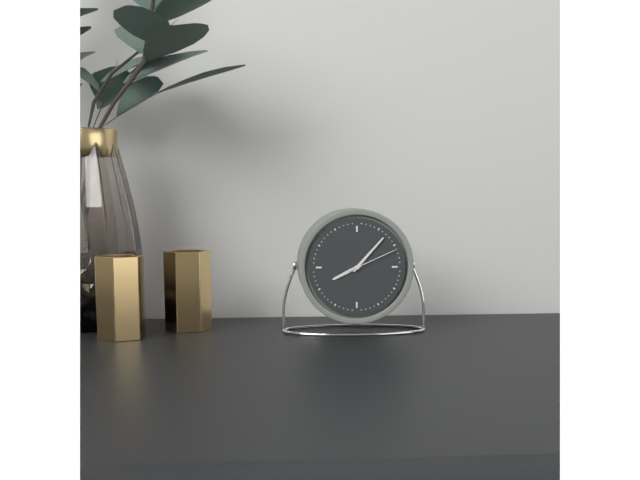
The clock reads 8:07:11
